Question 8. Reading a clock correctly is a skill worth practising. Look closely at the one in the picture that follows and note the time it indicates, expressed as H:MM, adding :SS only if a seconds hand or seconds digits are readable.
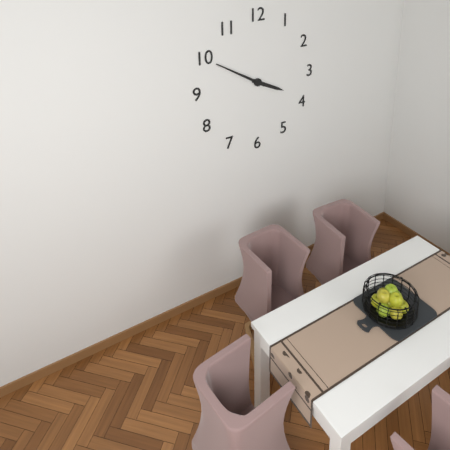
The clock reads 3:50
